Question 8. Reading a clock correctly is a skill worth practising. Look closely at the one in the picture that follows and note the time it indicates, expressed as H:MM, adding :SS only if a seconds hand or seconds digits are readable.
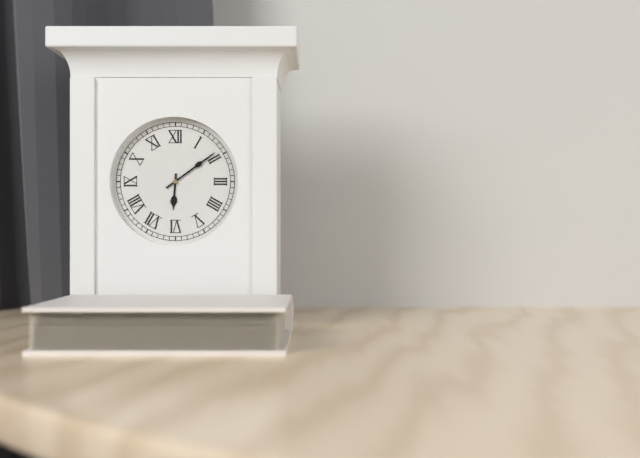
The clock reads 6:09
